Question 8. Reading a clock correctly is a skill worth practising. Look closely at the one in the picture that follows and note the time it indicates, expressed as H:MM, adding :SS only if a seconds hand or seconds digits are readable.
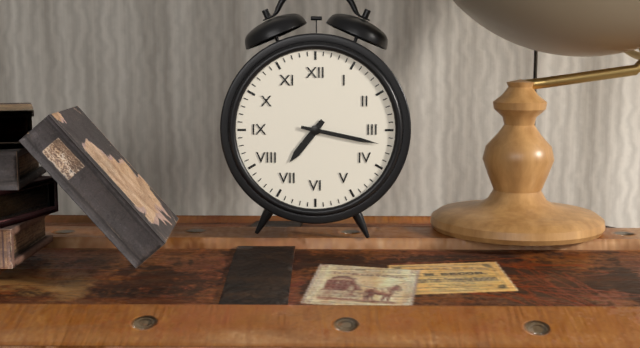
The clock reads 7:17
